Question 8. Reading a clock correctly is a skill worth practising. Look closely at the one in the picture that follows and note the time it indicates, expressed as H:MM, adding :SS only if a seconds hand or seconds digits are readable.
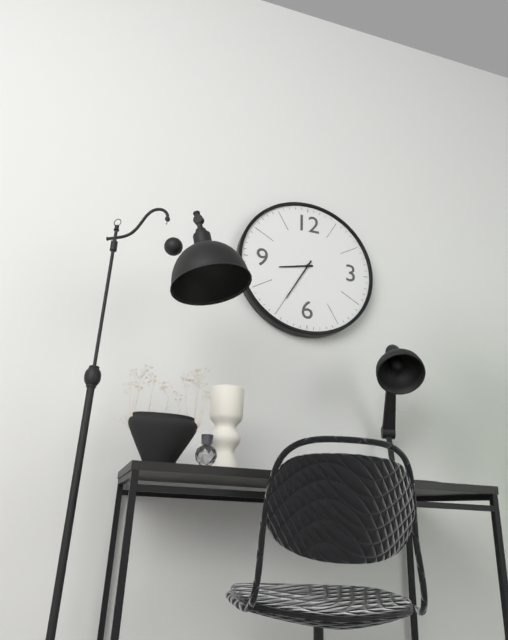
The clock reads 8:35
